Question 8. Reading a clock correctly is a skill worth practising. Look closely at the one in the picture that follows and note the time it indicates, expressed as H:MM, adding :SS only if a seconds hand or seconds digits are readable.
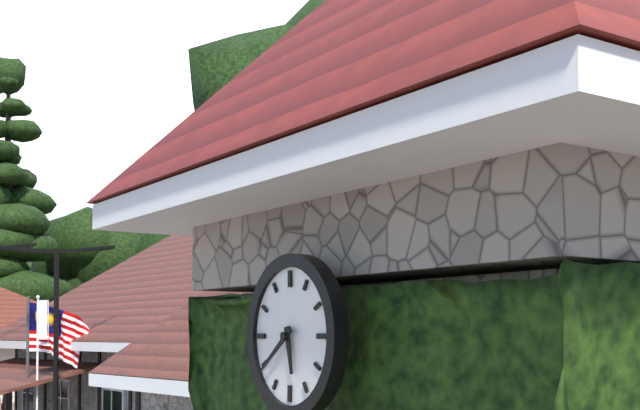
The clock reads 5:39
